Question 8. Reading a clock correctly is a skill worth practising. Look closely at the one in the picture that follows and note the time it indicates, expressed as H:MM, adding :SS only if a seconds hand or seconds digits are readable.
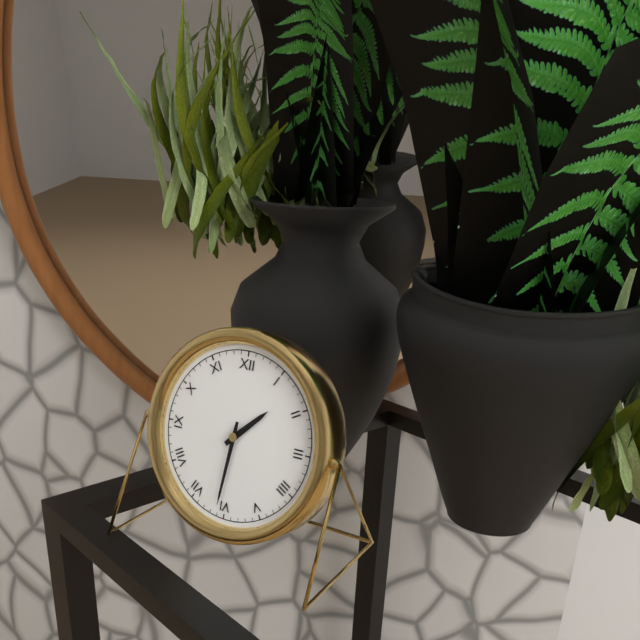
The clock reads 1:31
